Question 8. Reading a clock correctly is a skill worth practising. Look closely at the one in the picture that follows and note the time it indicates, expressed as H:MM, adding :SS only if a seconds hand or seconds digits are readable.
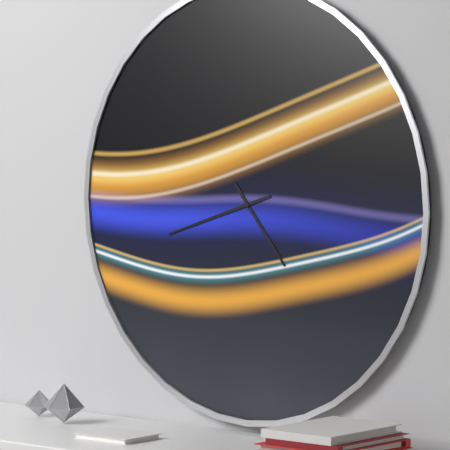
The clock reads 4:42
